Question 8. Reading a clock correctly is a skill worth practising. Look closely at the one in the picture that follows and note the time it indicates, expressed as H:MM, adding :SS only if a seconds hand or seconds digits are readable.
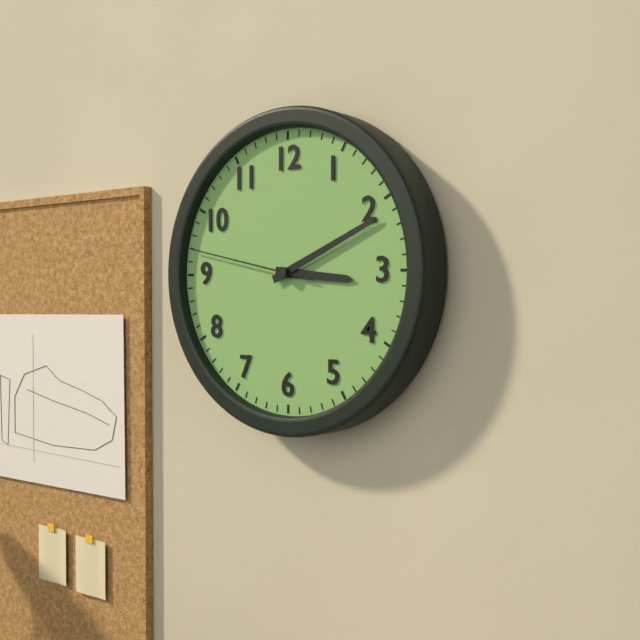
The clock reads 3:11:47
